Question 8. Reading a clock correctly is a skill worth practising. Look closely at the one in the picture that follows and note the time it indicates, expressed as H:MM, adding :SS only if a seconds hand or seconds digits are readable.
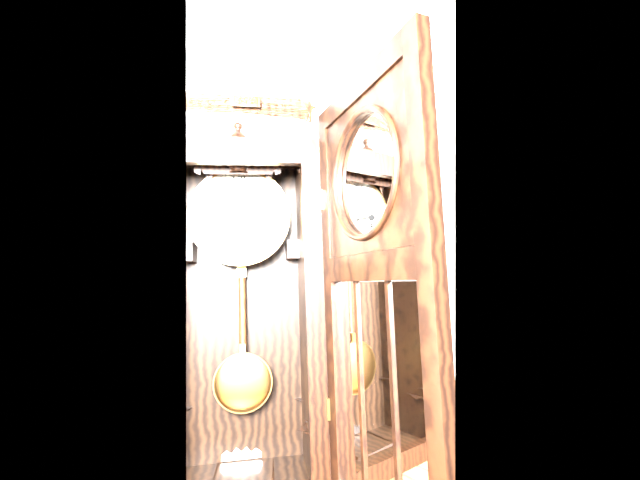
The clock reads 9:19
